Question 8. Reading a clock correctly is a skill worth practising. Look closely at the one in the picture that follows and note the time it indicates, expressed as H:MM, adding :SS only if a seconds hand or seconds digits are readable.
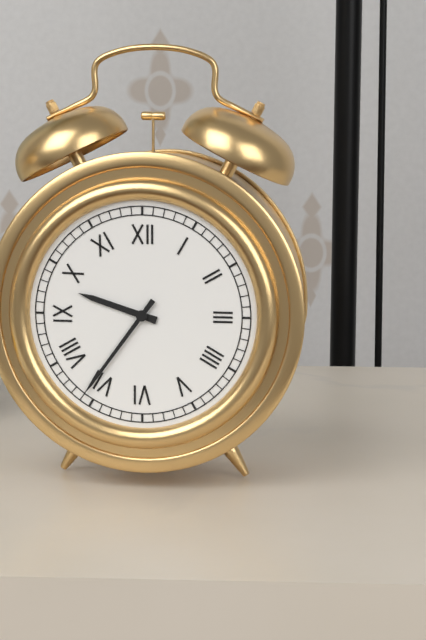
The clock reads 9:36
